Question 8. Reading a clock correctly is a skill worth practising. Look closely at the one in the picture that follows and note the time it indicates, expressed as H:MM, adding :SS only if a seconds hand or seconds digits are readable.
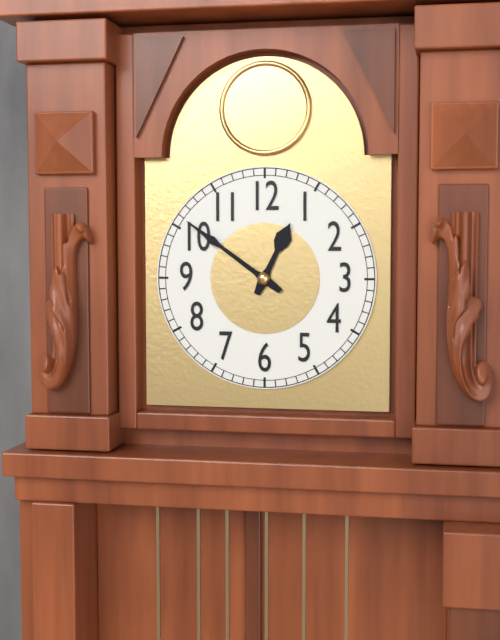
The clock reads 12:51
